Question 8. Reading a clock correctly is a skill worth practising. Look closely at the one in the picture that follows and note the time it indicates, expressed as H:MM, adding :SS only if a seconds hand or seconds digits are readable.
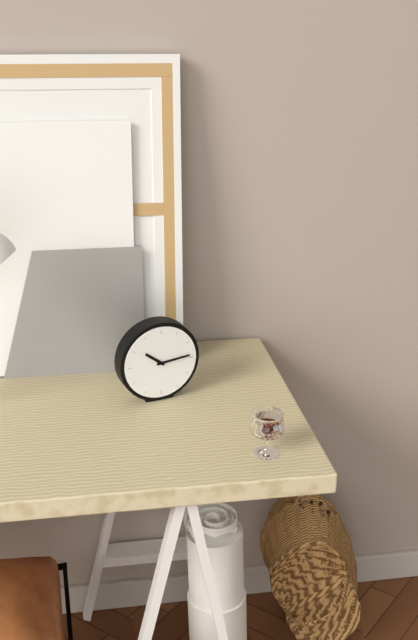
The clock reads 10:14
